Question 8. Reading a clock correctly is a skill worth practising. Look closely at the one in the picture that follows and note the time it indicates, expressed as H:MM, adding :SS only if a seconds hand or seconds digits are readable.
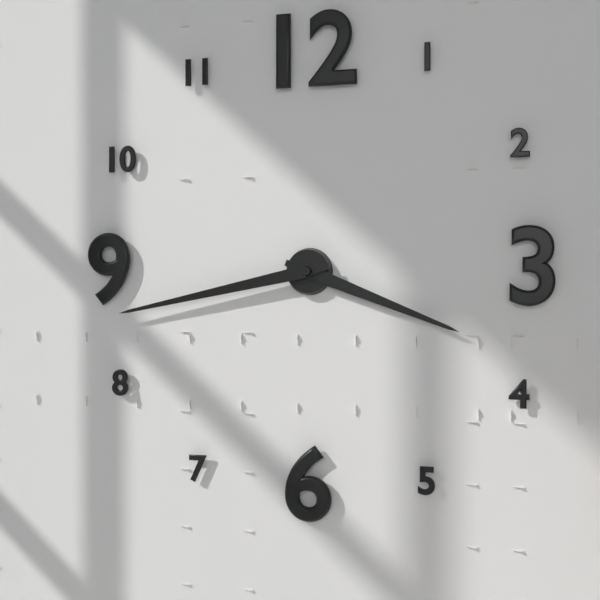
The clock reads 3:43
